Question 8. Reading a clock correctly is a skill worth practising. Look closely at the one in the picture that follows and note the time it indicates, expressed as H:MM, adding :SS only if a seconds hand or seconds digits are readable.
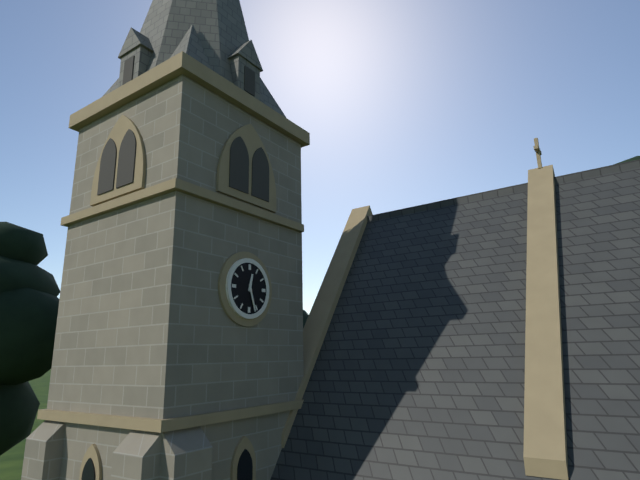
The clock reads 12:27
